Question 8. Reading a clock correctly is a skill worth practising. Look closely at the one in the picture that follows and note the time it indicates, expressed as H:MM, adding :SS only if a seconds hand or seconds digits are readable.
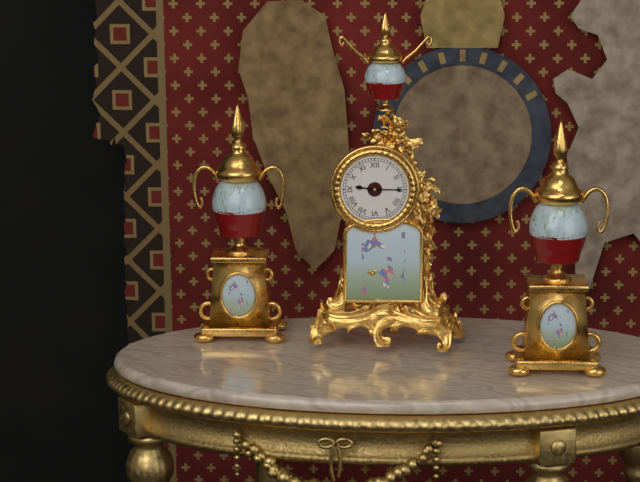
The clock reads 9:15
